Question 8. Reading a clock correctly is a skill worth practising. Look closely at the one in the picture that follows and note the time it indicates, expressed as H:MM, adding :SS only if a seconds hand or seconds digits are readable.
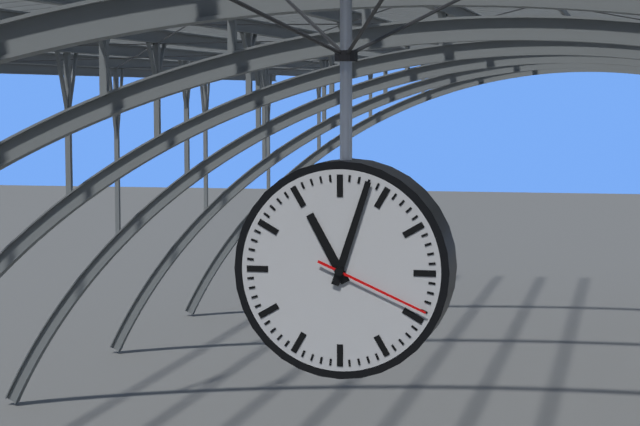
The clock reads 11:03:19
